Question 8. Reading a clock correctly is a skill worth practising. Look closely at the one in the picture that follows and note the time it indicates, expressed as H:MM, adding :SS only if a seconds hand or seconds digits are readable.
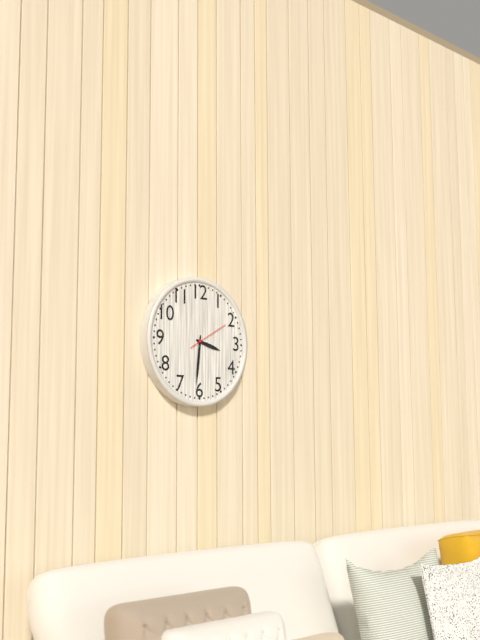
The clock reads 3:31
